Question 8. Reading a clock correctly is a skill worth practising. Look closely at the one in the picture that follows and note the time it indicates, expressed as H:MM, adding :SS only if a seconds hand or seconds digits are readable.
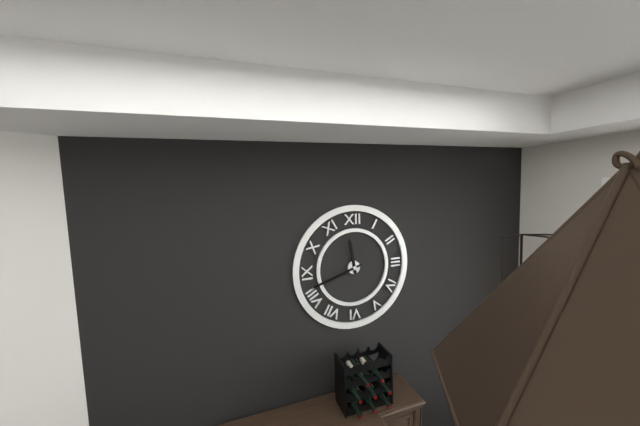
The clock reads 11:42
